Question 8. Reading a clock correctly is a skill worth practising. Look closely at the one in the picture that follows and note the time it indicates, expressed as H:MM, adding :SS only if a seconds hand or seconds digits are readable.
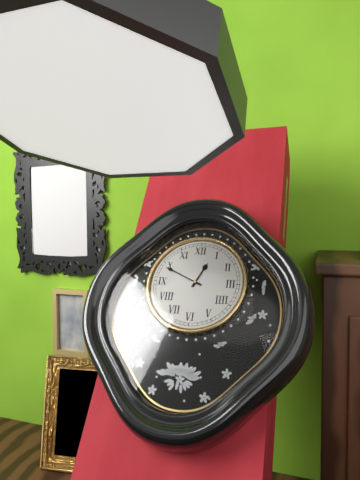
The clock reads 12:49
